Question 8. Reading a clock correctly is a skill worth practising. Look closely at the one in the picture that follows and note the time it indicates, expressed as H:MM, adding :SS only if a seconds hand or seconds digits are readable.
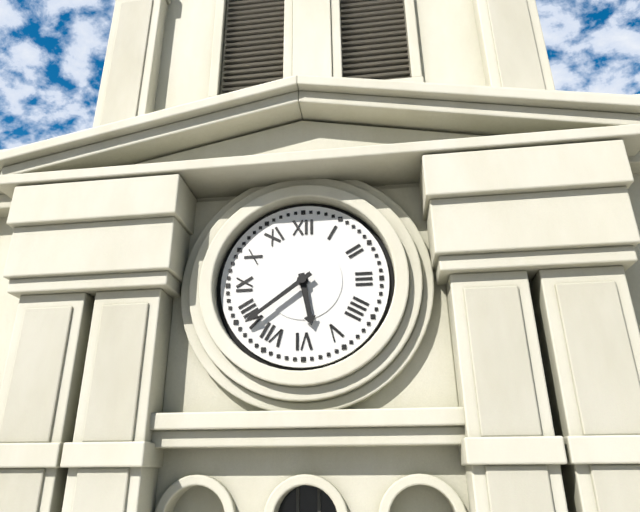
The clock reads 5:39
